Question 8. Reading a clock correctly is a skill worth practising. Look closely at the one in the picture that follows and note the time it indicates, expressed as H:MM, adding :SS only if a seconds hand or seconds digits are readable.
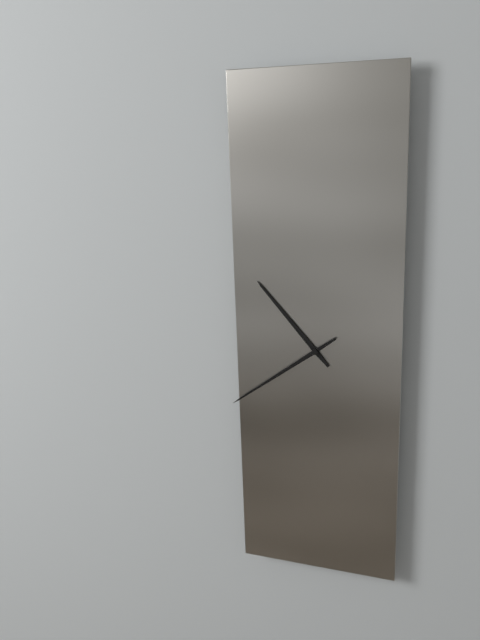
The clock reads 10:39
